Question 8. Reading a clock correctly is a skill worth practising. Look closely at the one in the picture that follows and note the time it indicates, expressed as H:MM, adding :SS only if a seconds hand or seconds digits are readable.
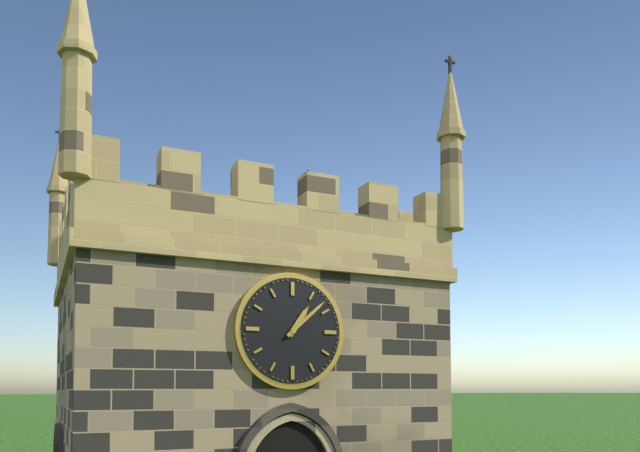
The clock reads 1:08
